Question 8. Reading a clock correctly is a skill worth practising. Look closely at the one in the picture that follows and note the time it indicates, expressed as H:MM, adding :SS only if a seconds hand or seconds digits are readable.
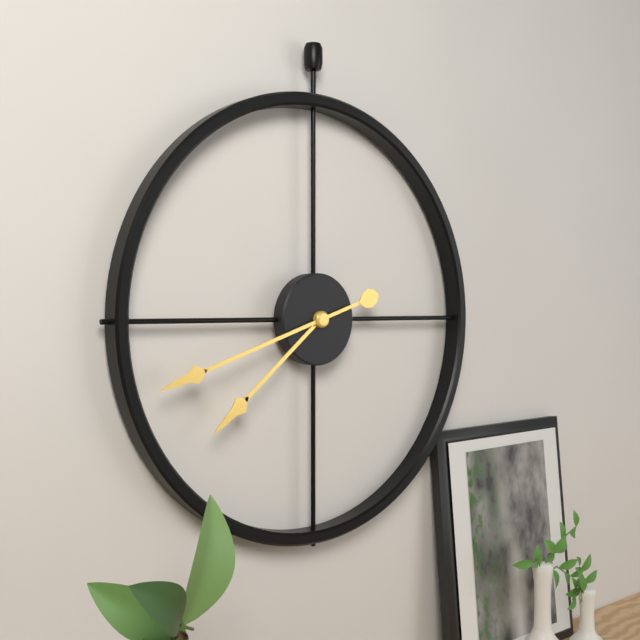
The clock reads 7:42
